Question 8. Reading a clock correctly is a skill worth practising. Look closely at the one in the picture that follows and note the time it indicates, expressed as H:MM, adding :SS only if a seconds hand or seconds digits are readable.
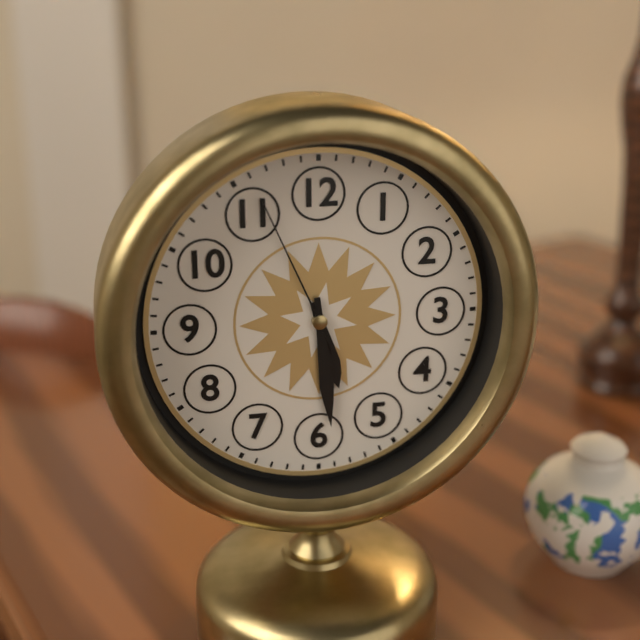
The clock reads 5:29:56
